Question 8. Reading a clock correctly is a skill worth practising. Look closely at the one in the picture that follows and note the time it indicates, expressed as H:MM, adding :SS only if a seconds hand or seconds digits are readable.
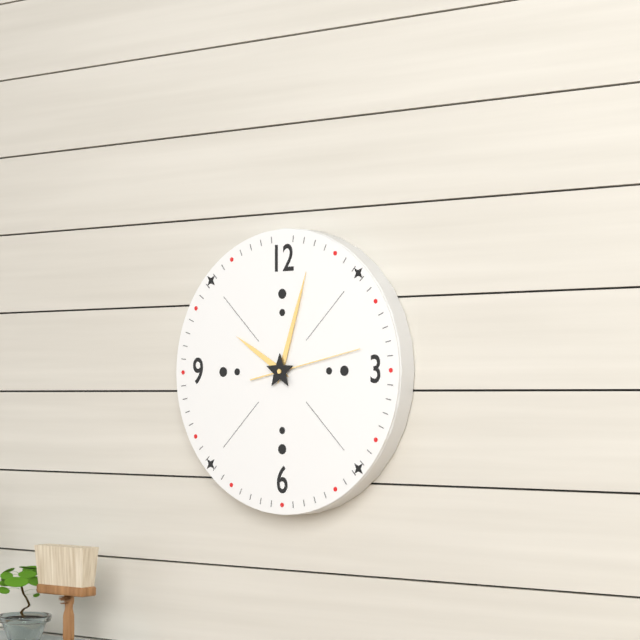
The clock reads 10:03:13
